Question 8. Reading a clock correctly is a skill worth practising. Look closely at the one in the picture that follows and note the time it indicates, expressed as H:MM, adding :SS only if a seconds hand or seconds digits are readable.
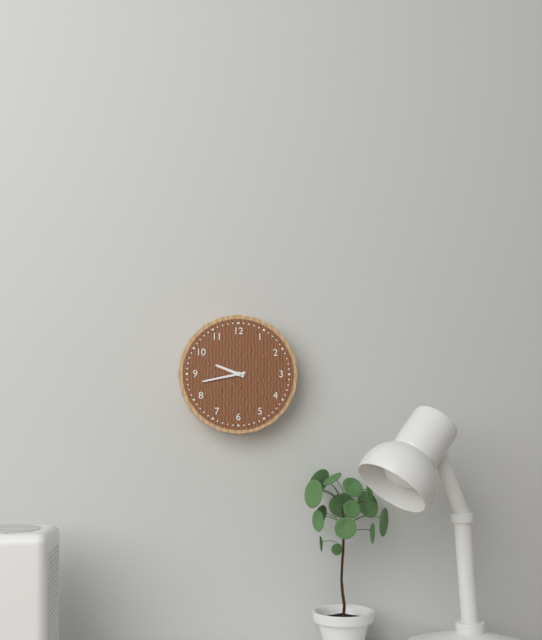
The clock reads 9:43
